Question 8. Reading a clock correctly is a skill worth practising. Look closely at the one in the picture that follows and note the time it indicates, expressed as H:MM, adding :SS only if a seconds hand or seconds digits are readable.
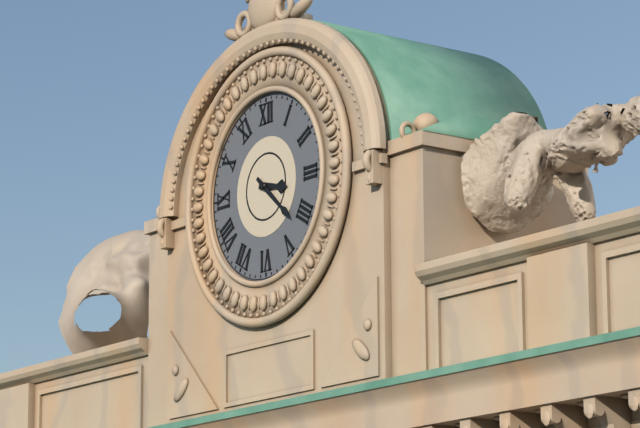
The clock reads 3:22
